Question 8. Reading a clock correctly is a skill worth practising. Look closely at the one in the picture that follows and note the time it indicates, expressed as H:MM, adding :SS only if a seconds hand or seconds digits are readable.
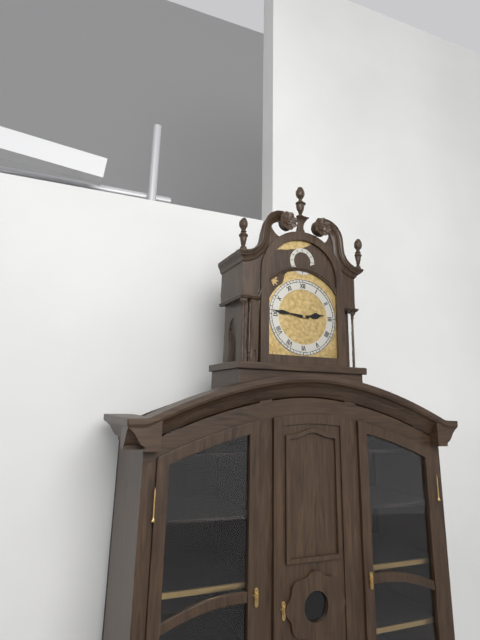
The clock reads 2:46
